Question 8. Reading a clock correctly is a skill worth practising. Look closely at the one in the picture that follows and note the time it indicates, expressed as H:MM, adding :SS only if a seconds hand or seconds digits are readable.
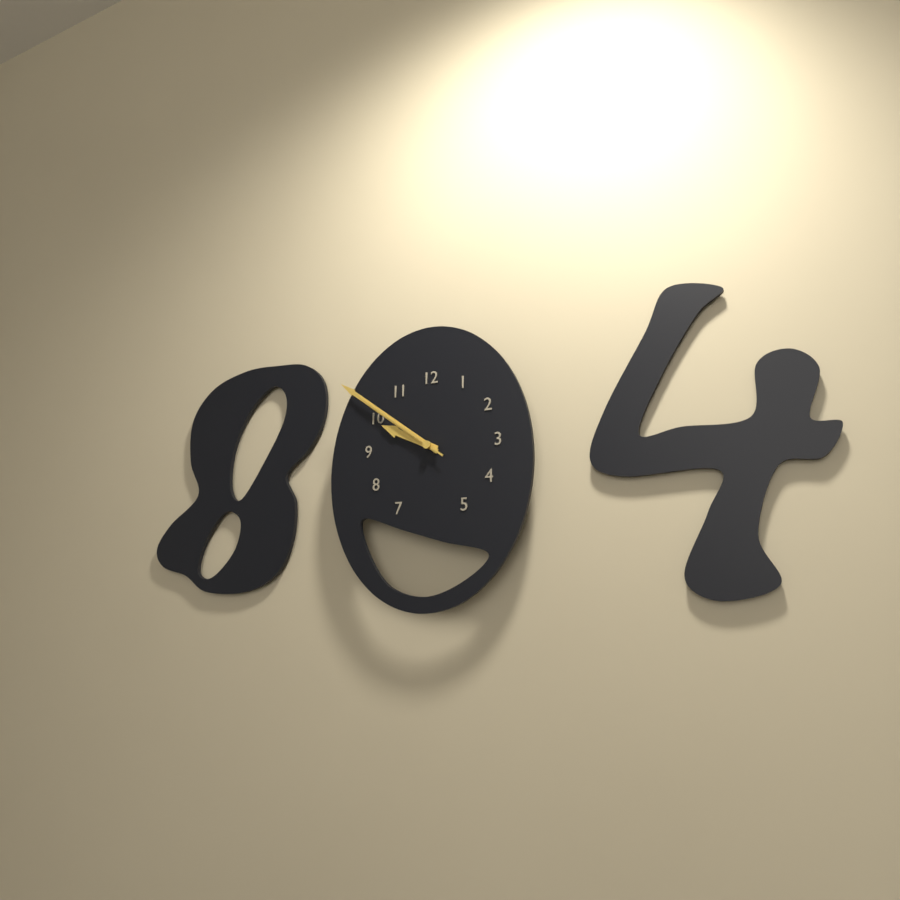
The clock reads 9:51:51
